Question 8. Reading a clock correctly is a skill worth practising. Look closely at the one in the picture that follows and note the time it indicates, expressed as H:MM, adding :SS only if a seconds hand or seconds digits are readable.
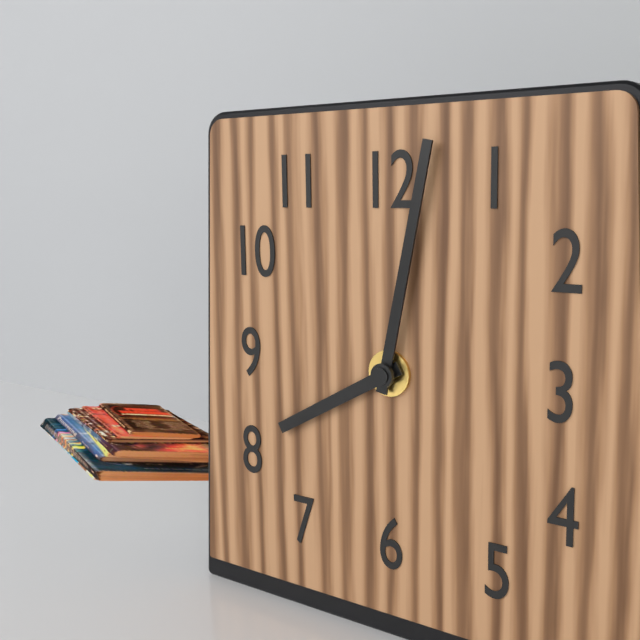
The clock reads 8:02
